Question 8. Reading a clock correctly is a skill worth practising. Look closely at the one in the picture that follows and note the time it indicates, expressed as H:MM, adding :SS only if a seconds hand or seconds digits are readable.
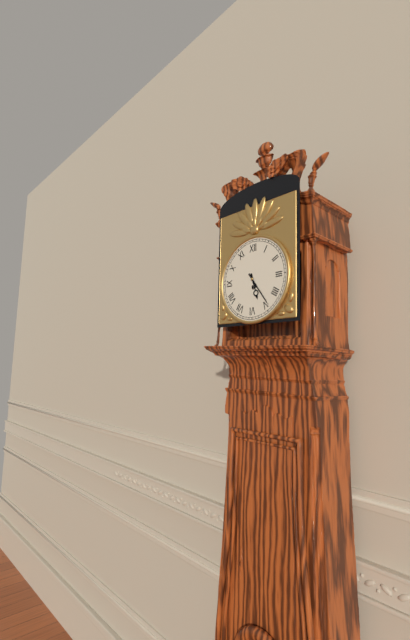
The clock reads 5:24
